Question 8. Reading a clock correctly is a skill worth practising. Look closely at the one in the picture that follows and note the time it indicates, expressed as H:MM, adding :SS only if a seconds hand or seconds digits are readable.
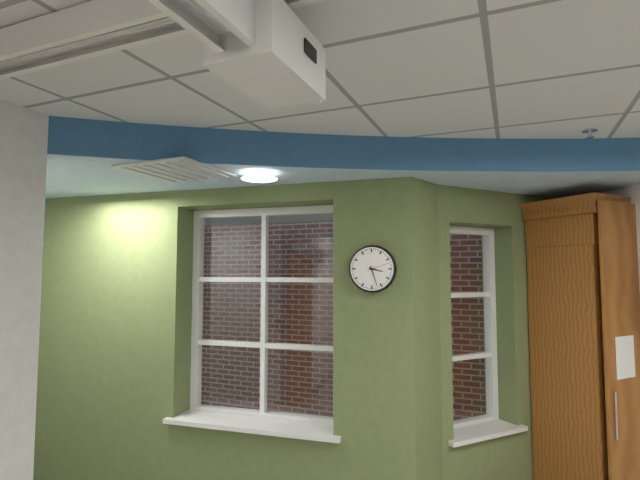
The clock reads 3:27
